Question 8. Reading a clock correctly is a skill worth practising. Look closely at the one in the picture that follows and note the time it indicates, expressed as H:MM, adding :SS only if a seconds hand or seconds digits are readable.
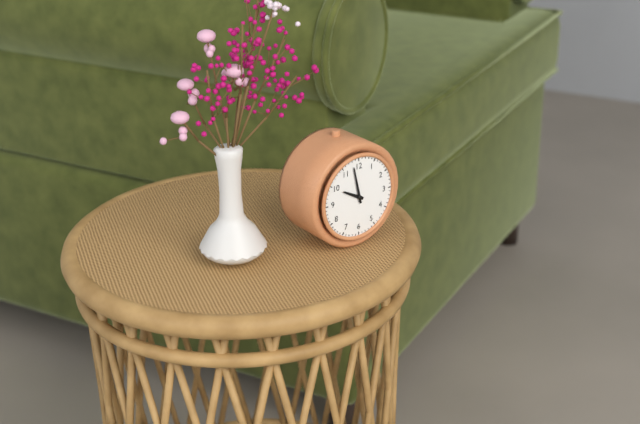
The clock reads 9:58
